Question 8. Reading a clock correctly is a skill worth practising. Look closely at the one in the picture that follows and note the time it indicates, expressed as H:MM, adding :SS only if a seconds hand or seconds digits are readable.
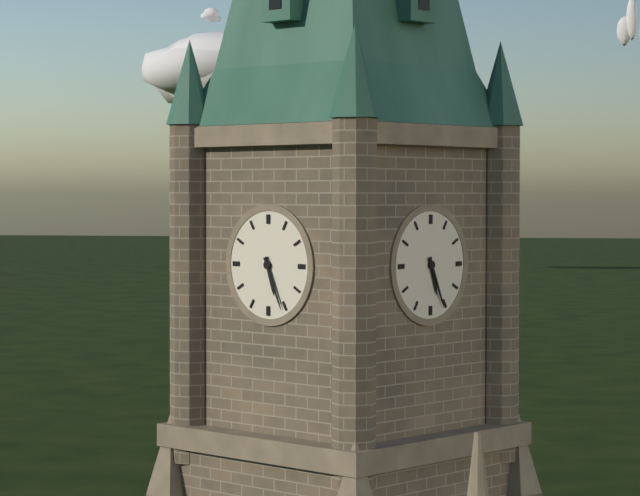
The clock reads 5:26
